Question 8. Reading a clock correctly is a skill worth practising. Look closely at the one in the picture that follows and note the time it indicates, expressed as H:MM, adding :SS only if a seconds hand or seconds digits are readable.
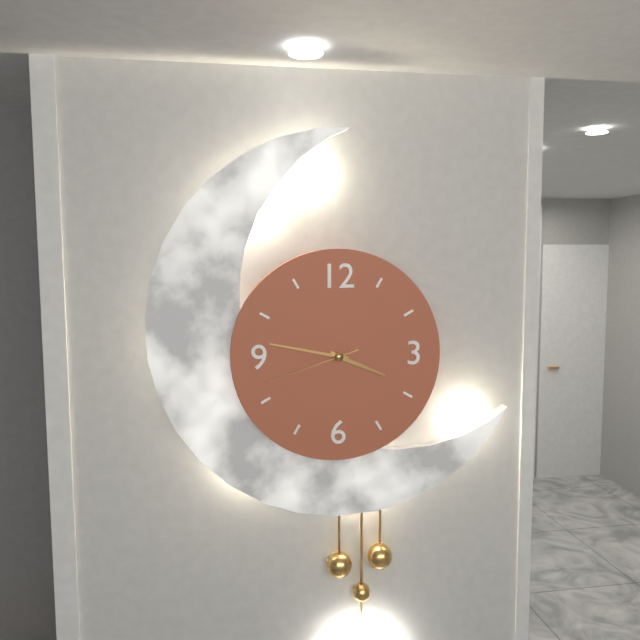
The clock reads 3:47:42
